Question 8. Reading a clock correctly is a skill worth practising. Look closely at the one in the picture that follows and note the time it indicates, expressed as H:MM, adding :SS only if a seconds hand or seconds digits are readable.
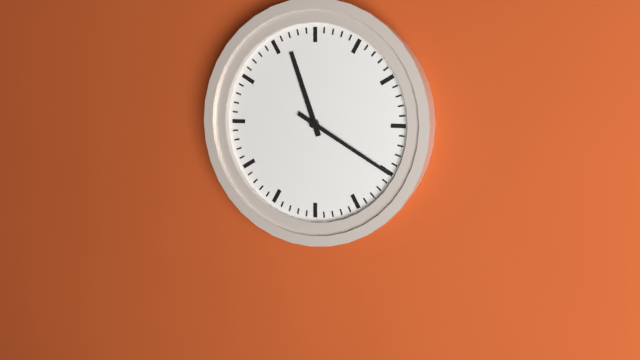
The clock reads 11:20
